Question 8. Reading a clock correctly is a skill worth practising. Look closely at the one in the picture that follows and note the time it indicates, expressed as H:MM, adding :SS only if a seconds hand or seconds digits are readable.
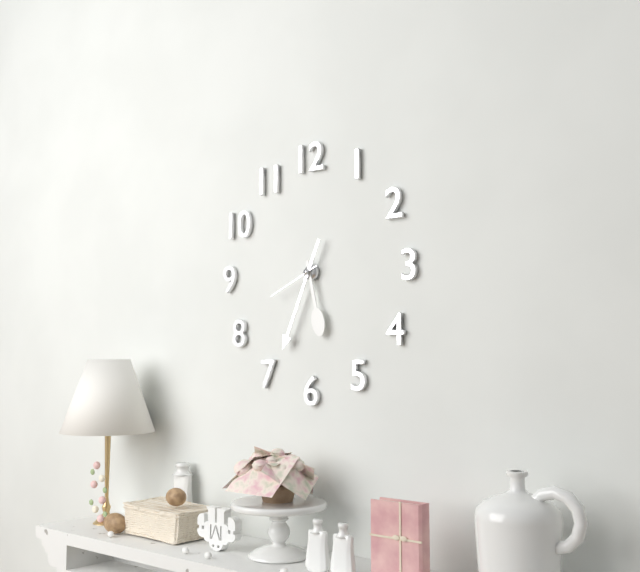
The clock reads 5:34:41
